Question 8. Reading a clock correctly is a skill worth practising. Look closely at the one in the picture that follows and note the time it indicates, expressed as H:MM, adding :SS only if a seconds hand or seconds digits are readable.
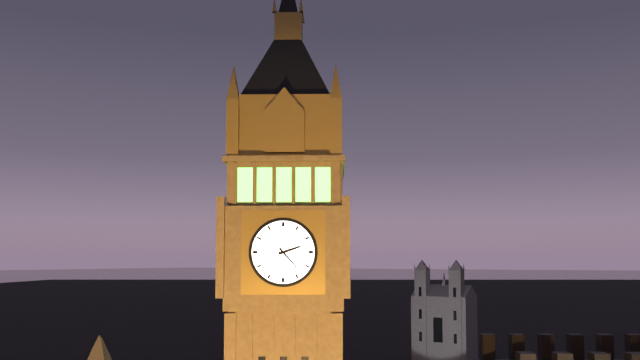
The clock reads 2:23
